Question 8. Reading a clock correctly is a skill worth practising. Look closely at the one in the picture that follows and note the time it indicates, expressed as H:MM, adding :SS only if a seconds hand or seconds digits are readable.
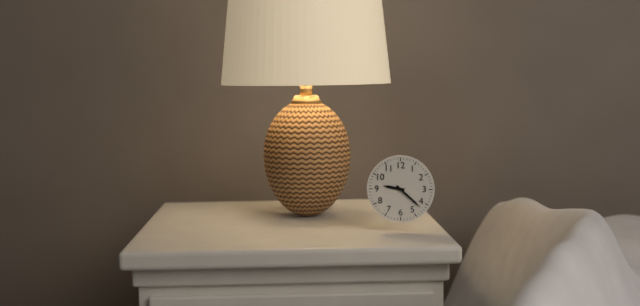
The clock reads 9:22
